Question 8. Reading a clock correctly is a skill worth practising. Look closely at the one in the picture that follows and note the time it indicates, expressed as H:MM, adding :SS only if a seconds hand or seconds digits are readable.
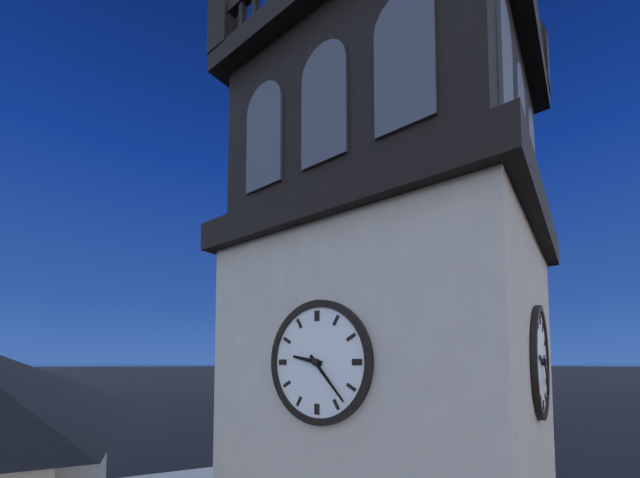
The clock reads 9:23
